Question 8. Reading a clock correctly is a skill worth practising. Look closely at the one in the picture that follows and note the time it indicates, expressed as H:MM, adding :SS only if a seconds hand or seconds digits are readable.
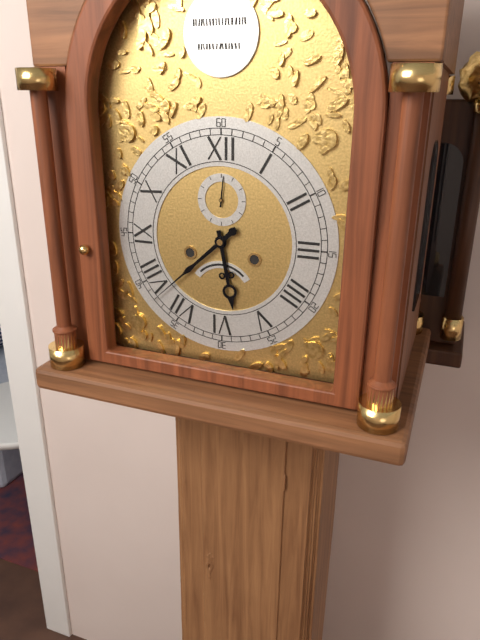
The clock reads 5:38
